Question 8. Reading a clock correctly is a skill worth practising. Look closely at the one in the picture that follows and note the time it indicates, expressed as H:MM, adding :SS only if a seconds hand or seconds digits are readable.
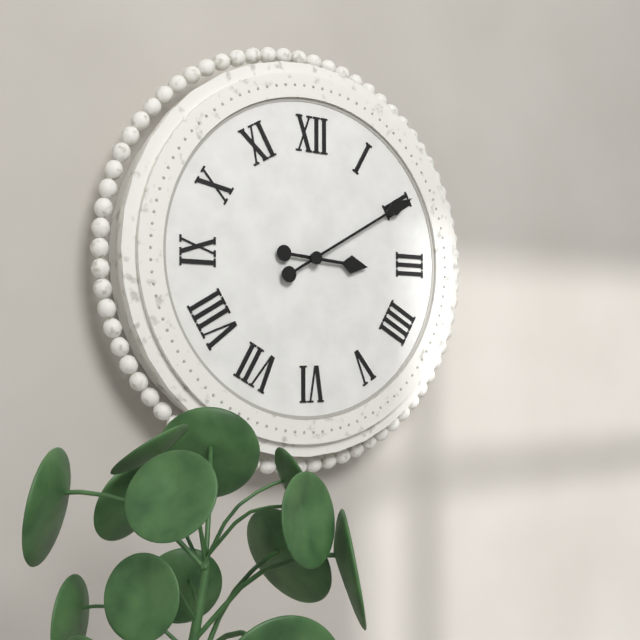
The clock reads 3:10
